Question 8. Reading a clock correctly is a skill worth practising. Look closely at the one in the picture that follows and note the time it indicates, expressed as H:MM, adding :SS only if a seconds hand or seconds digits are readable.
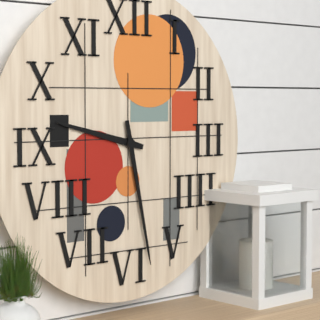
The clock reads 9:28
